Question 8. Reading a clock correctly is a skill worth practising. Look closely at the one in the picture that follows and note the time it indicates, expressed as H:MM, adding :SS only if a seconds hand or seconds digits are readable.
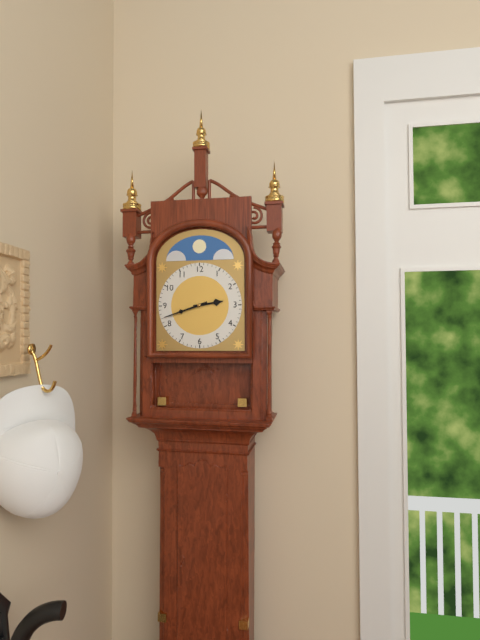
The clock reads 2:42
